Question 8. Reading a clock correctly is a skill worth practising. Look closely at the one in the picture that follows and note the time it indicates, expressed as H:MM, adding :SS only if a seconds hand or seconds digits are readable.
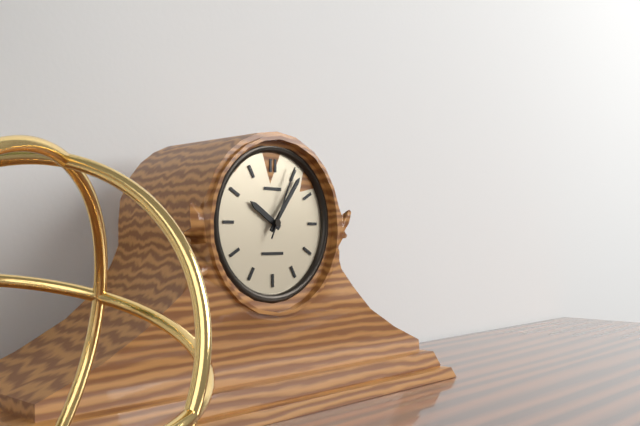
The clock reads 10:06:04
